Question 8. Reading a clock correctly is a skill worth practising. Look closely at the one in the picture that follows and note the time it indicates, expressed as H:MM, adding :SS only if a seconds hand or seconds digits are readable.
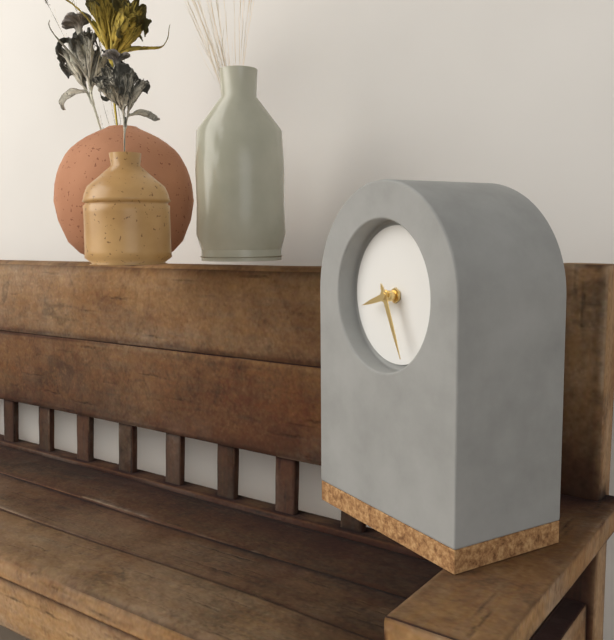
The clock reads 8:26
